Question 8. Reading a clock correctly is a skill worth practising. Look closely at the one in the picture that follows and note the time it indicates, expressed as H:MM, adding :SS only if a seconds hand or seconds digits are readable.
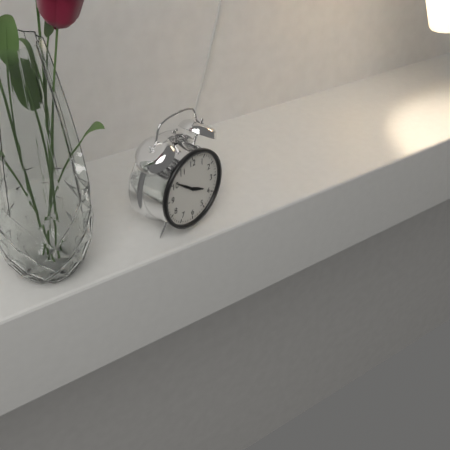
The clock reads 3:51
